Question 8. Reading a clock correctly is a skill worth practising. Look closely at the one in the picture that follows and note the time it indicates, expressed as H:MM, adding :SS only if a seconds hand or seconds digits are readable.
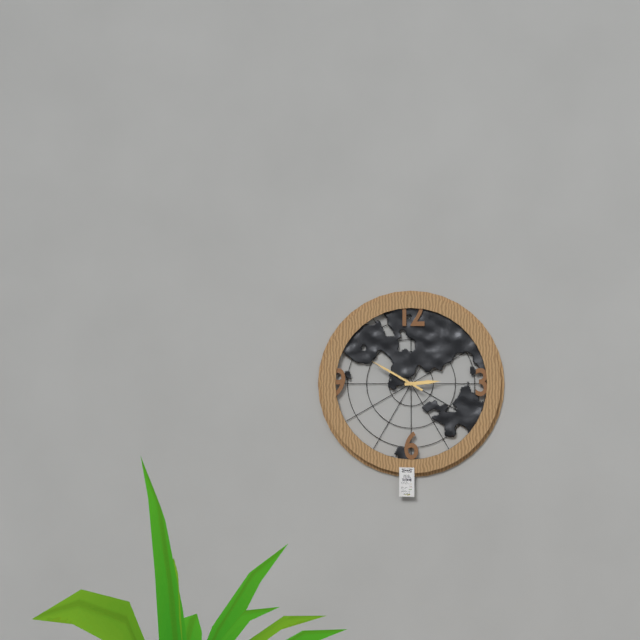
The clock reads 2:50
